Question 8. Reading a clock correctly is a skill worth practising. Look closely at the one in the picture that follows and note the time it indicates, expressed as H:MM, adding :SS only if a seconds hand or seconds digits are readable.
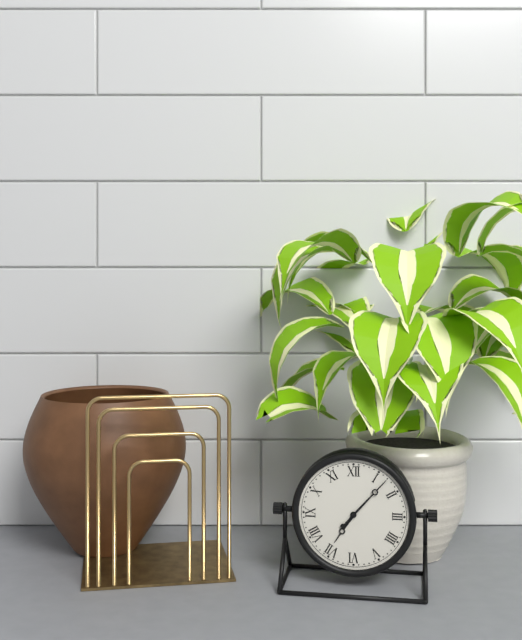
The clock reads 7:07
